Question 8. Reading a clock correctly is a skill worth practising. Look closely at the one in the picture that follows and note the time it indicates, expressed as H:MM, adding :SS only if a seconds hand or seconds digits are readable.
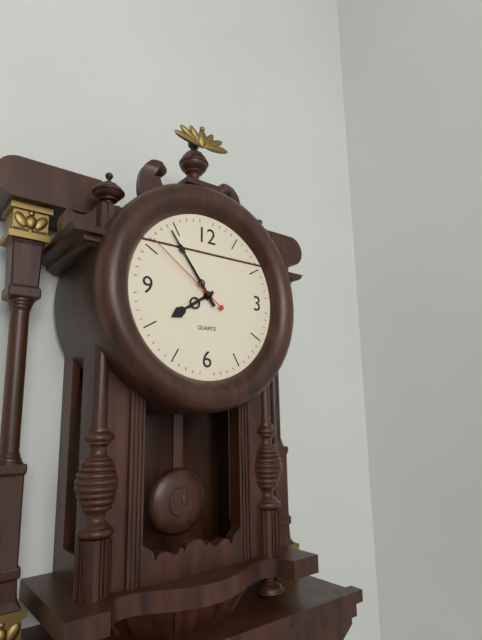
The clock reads 7:54:51
